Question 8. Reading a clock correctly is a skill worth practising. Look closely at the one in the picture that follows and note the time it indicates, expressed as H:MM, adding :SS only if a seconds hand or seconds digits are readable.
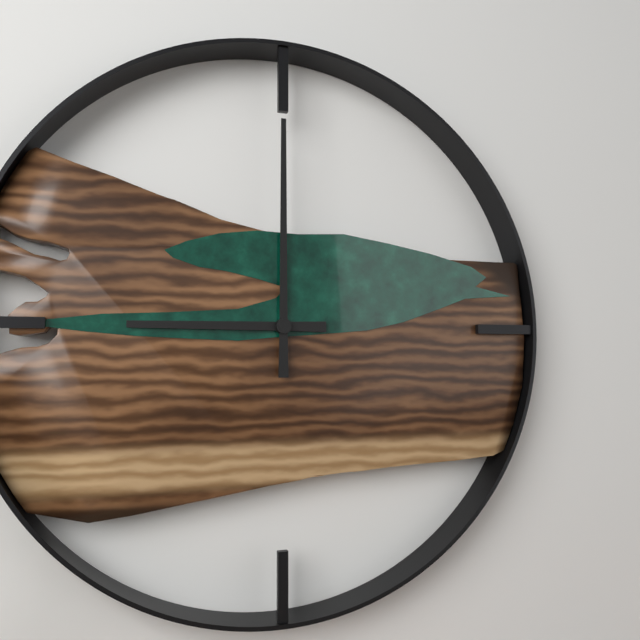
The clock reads 9:00
